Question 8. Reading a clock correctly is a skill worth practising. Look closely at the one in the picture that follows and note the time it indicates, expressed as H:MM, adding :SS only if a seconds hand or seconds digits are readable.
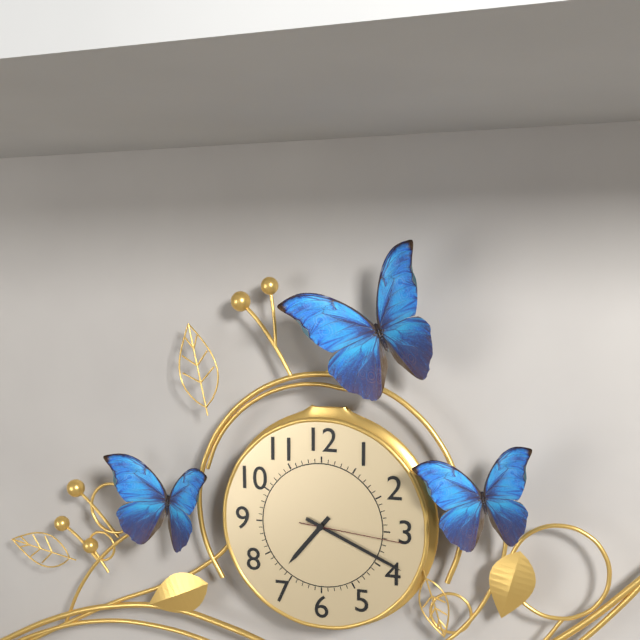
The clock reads 7:19:16
